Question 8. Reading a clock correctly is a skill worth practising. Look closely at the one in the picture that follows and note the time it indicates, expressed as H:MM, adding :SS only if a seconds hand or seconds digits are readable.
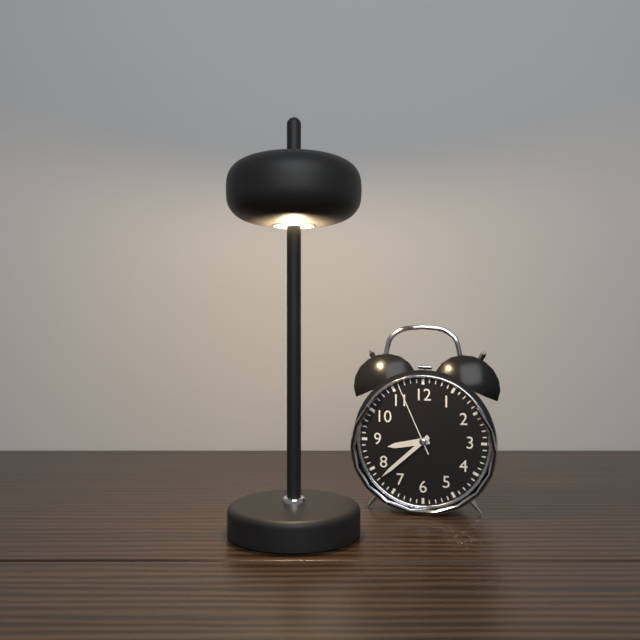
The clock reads 8:38:56
